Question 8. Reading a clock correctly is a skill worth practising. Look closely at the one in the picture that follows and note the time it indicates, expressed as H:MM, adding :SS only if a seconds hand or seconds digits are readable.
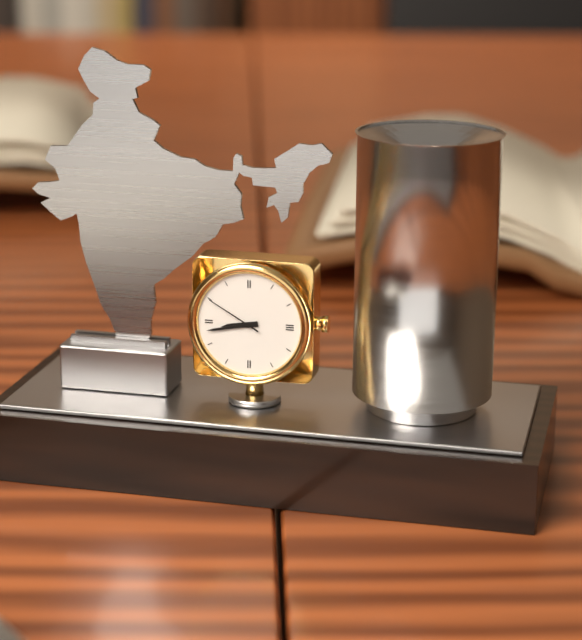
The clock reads 8:43:50
